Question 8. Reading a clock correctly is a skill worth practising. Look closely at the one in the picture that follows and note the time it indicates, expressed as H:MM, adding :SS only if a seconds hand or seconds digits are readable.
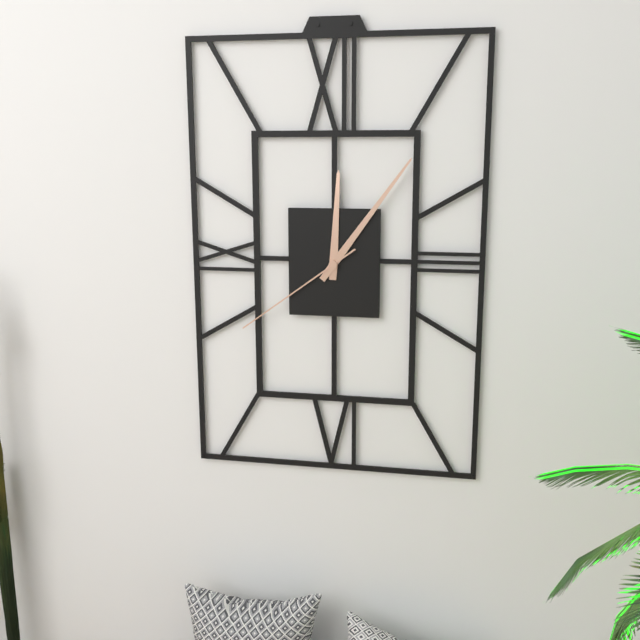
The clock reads 12:06:39
